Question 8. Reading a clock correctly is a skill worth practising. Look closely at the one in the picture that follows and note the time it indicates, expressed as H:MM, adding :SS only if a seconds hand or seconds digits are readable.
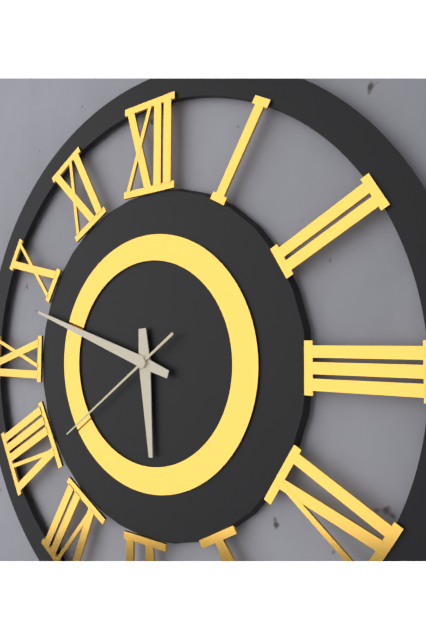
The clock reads 5:48:39
